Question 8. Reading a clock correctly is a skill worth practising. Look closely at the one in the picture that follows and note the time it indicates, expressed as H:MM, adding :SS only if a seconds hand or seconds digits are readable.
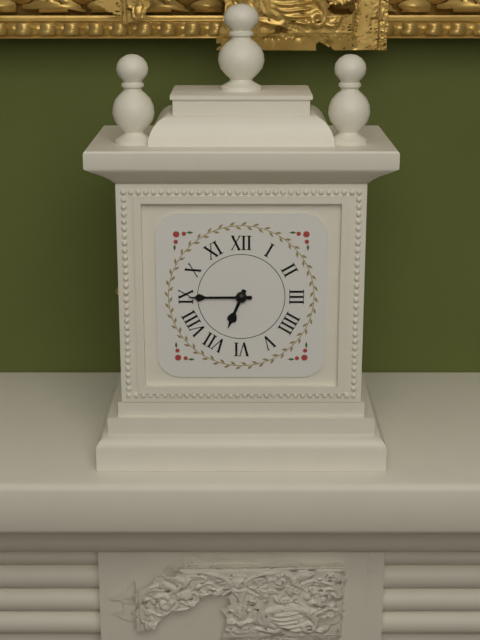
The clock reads 6:45
